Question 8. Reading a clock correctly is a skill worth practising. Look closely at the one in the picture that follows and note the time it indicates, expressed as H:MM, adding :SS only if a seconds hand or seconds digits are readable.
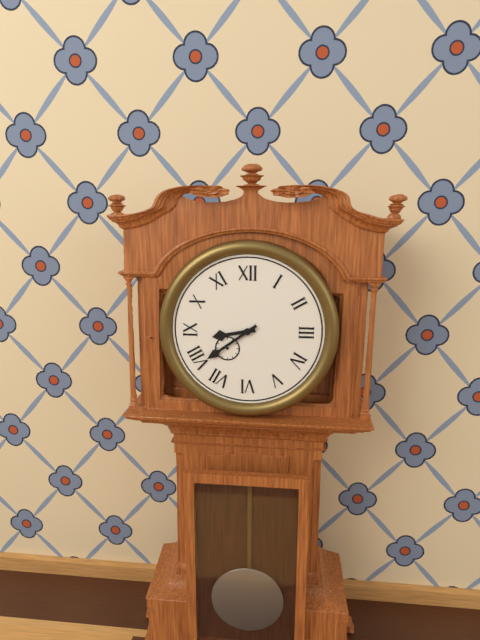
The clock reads 8:39
